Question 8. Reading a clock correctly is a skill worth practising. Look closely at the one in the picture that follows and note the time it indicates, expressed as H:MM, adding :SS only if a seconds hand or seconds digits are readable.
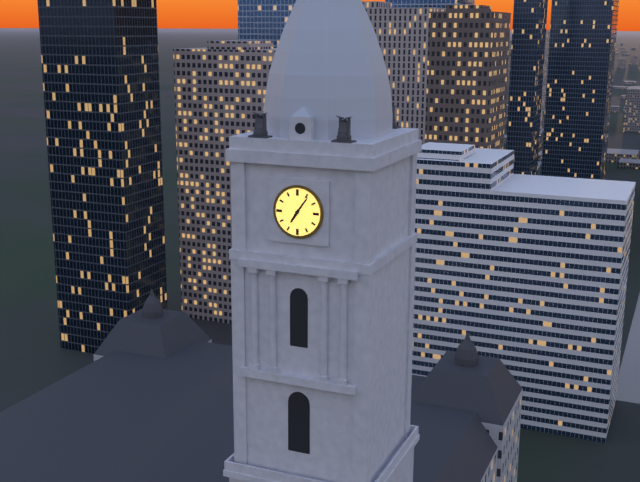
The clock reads 7:06
